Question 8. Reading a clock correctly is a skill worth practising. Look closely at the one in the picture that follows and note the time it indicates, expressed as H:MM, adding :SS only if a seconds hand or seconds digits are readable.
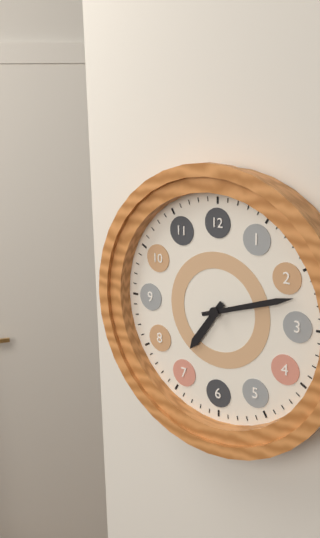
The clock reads 7:12
